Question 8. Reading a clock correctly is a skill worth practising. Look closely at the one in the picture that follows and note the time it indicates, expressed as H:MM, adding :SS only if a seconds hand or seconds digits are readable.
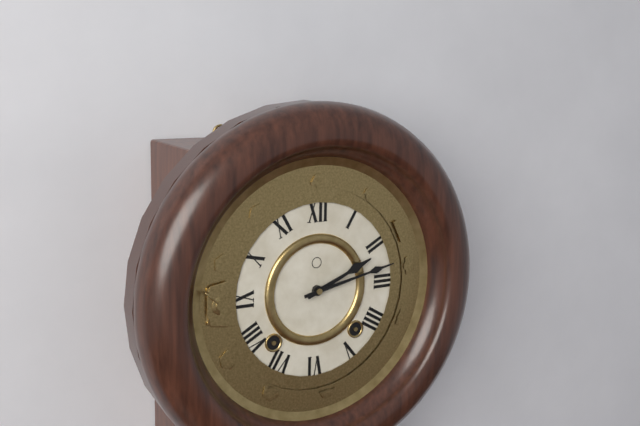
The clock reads 2:13
